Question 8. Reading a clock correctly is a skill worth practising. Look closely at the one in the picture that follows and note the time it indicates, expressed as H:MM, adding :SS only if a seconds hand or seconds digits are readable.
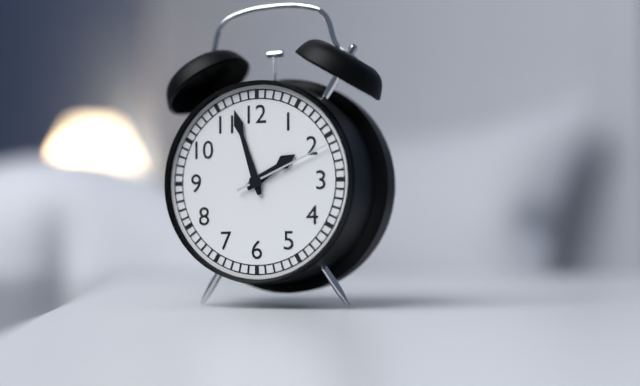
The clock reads 1:57:11
